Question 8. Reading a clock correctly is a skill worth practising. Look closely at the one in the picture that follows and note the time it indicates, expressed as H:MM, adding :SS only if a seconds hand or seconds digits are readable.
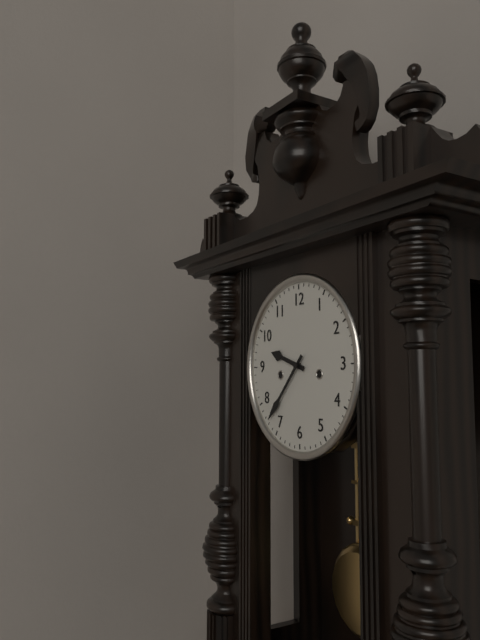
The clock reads 9:37
